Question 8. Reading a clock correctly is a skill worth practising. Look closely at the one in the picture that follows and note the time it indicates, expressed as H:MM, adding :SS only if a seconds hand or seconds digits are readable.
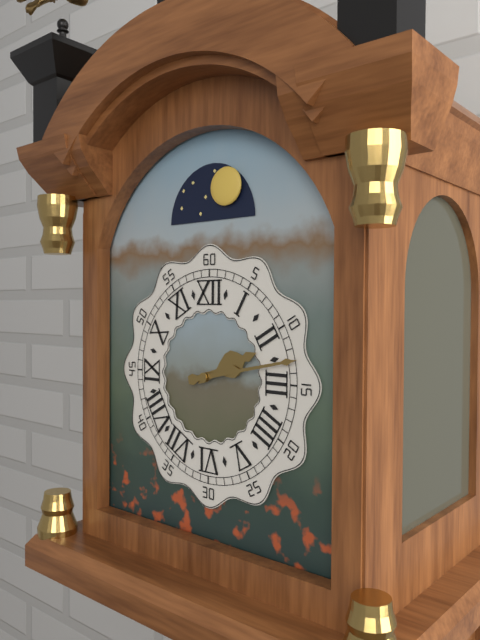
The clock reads 2:13
